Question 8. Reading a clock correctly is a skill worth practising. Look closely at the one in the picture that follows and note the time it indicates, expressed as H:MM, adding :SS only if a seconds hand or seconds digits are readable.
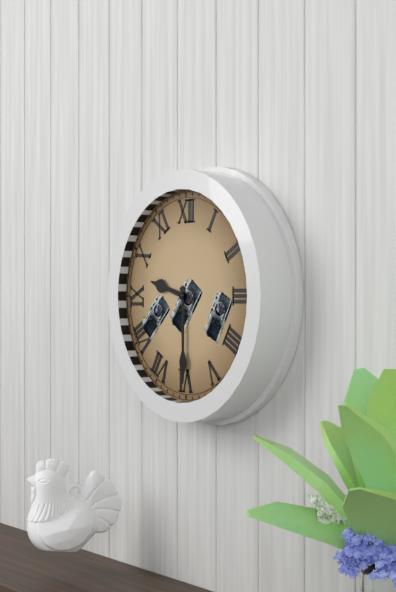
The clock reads 9:30
